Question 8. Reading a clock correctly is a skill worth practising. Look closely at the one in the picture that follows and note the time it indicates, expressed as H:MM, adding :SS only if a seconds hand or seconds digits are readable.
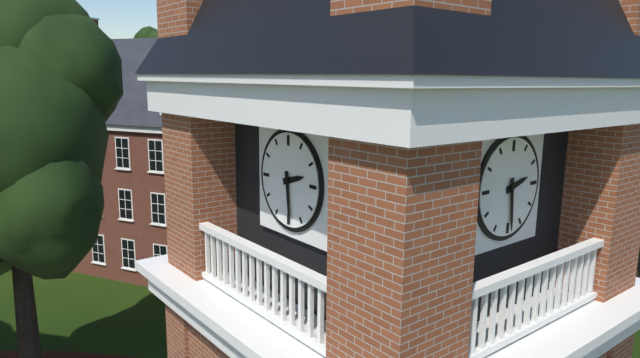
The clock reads 2:29
